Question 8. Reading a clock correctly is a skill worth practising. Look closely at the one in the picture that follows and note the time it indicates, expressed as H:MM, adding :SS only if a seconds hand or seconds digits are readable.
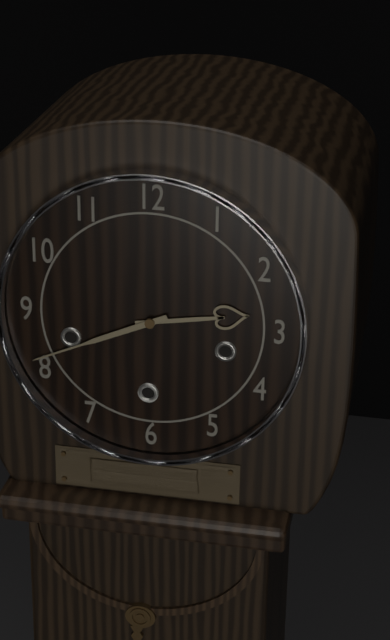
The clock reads 2:41
